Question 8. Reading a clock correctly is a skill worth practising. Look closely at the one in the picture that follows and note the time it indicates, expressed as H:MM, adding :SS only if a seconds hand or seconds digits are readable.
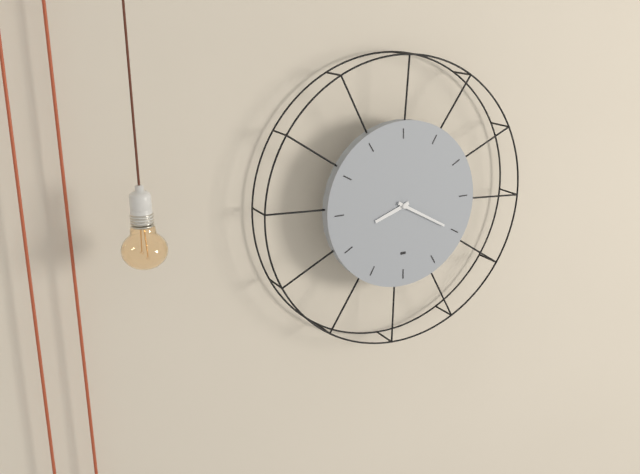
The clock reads 8:20
